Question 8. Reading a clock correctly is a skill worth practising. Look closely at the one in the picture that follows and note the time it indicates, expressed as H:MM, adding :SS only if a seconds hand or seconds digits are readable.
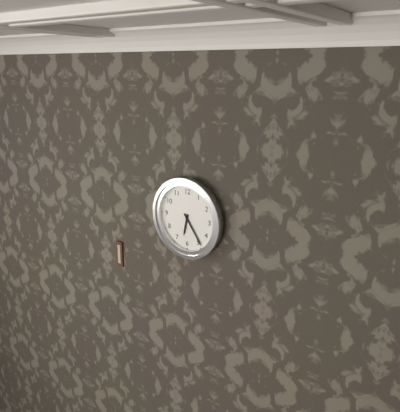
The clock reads 6:24
